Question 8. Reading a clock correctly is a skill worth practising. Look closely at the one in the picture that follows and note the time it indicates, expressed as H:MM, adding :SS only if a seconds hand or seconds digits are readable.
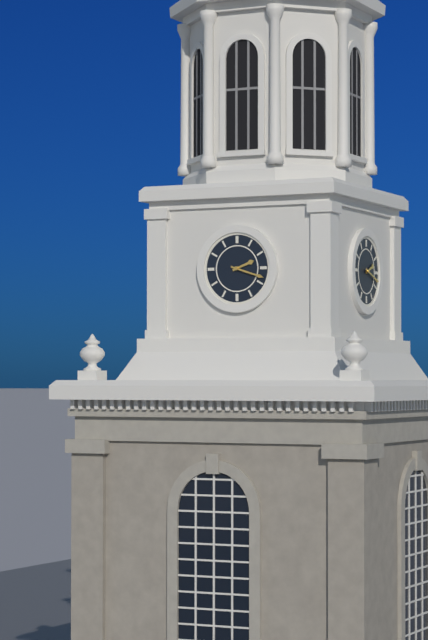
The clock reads 2:18
